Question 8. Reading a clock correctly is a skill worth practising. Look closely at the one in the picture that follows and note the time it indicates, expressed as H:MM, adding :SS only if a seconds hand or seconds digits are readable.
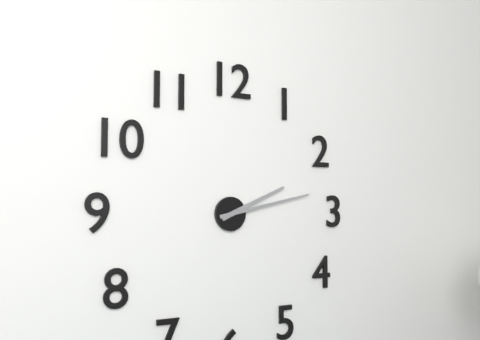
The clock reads 2:13
